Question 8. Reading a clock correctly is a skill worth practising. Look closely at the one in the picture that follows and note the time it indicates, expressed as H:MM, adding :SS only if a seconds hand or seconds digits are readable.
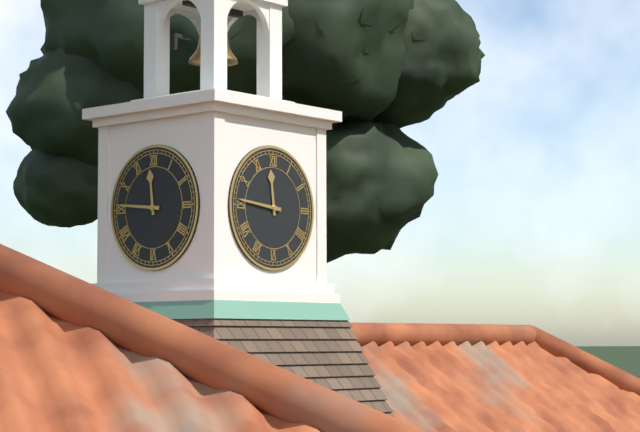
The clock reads 11:46
